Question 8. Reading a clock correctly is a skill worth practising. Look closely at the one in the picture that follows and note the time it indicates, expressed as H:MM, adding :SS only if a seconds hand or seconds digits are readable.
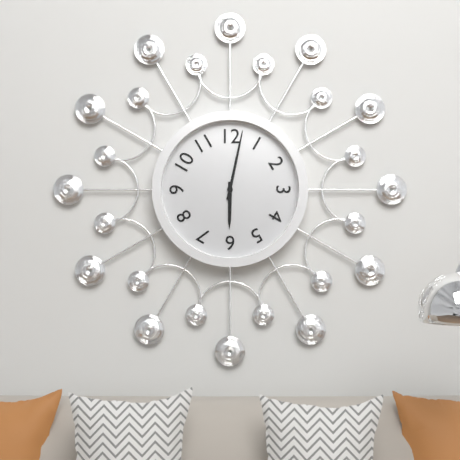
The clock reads 6:02
